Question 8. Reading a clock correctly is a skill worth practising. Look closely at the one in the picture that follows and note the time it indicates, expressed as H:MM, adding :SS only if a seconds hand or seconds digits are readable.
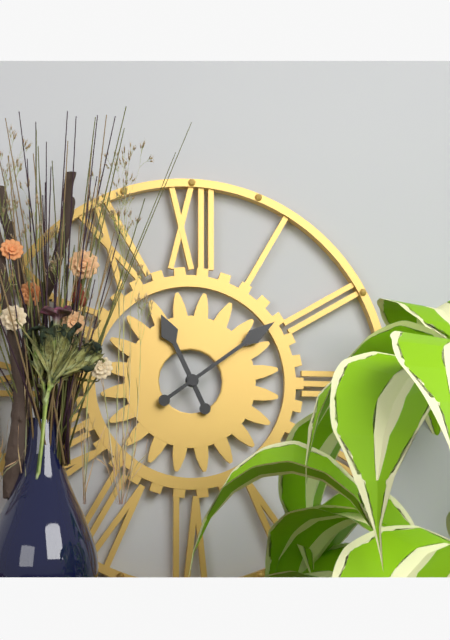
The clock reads 11:09
